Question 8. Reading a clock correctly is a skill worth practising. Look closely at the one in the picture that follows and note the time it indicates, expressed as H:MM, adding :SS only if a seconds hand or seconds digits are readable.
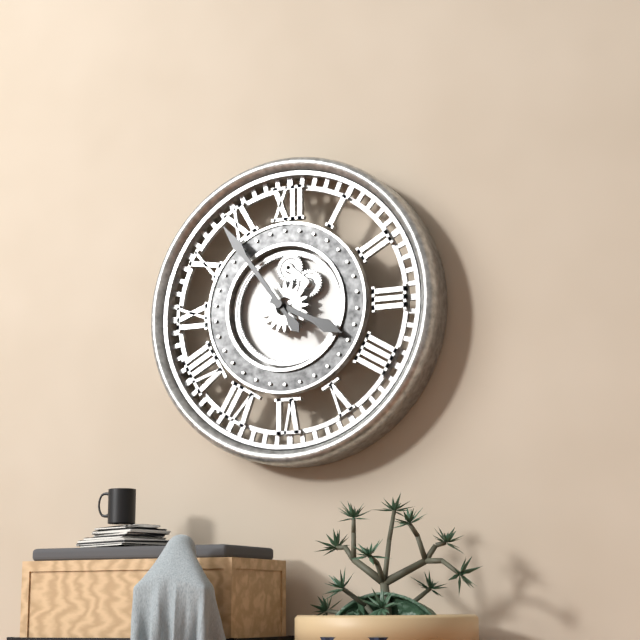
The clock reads 3:54
